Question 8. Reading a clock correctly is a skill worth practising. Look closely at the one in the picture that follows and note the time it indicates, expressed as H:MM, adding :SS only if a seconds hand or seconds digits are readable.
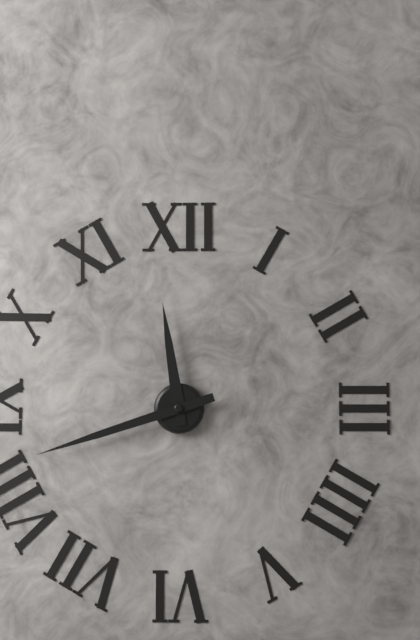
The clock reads 11:42
